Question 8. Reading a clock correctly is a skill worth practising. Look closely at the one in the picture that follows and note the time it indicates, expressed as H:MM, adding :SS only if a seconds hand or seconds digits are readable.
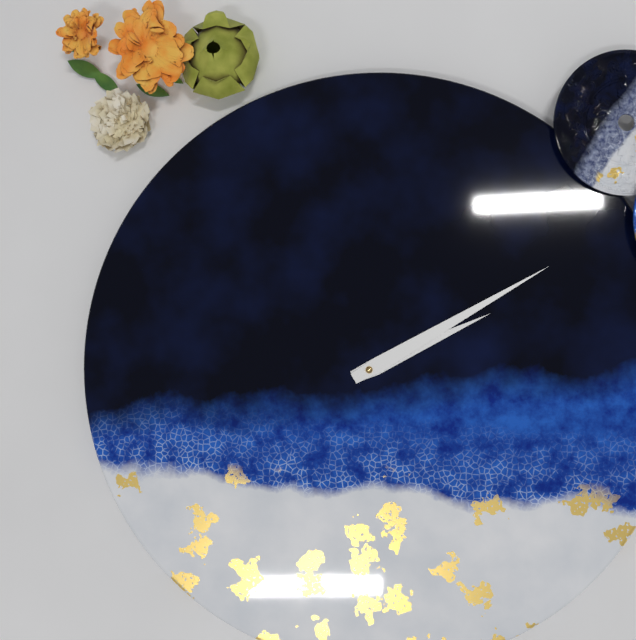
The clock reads 2:10
